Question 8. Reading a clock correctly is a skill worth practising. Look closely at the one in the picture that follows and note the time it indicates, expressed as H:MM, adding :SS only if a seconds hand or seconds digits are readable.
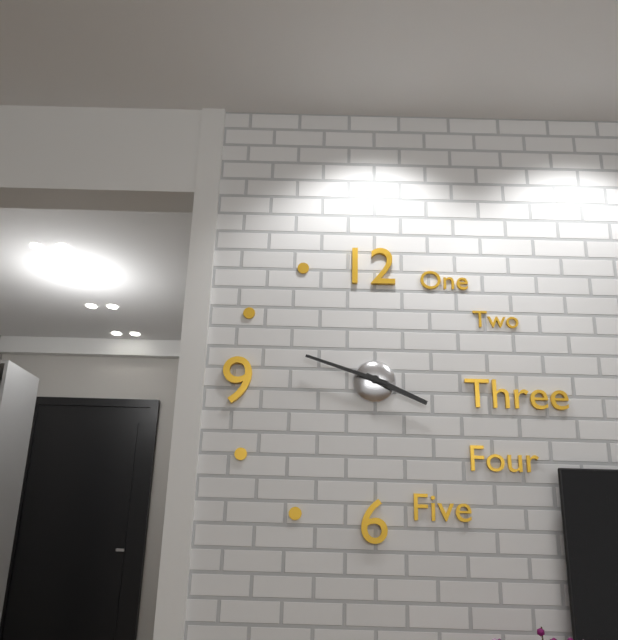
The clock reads 3:48
